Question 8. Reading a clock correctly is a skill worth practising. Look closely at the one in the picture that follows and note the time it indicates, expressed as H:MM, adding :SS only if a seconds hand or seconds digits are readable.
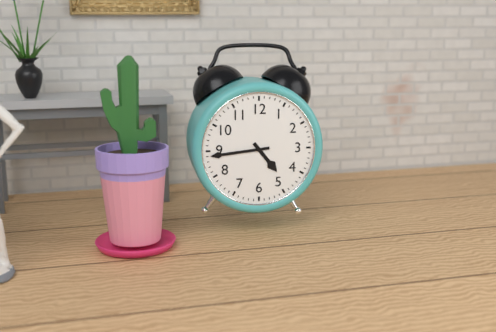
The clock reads 4:44
